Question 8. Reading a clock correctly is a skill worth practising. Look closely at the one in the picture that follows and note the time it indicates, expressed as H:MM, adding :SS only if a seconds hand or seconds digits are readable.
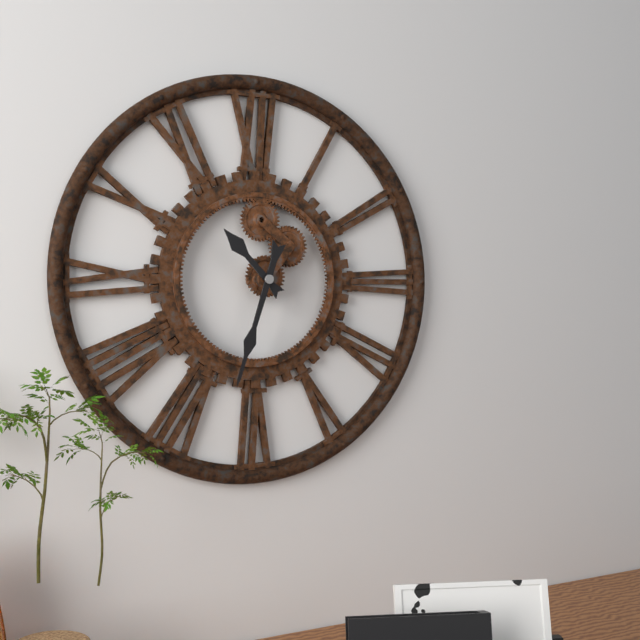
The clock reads 10:33
